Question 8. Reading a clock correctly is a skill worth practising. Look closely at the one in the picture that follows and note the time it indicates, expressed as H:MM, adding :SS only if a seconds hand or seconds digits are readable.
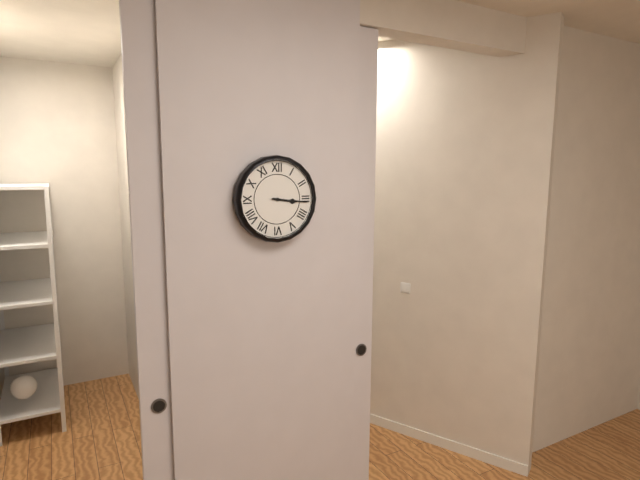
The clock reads 3:16
